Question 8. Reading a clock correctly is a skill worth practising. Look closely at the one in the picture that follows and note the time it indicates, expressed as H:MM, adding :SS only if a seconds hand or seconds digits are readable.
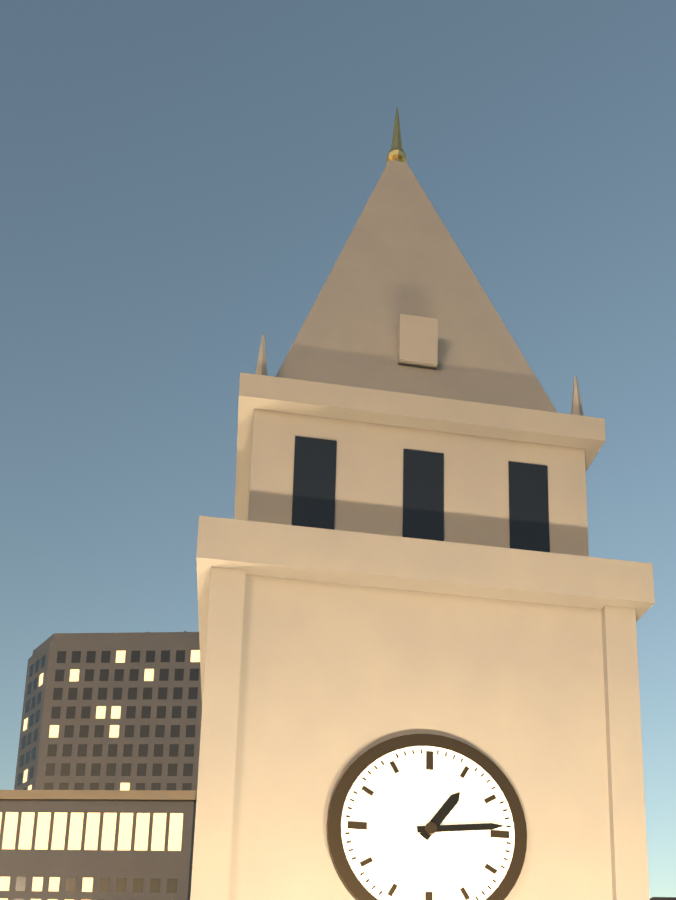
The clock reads 1:14
